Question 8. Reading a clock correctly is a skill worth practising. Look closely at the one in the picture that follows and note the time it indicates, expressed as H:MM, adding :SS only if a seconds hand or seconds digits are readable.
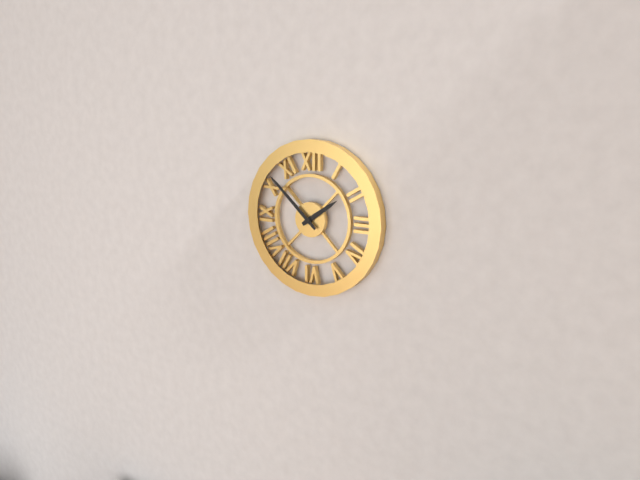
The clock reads 1:52
